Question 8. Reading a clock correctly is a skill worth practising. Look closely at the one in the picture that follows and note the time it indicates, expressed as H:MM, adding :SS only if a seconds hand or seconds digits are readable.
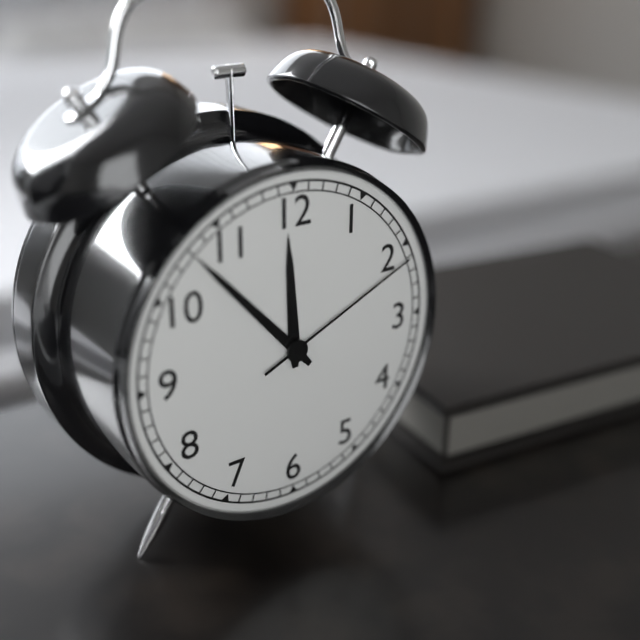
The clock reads 11:53:11
